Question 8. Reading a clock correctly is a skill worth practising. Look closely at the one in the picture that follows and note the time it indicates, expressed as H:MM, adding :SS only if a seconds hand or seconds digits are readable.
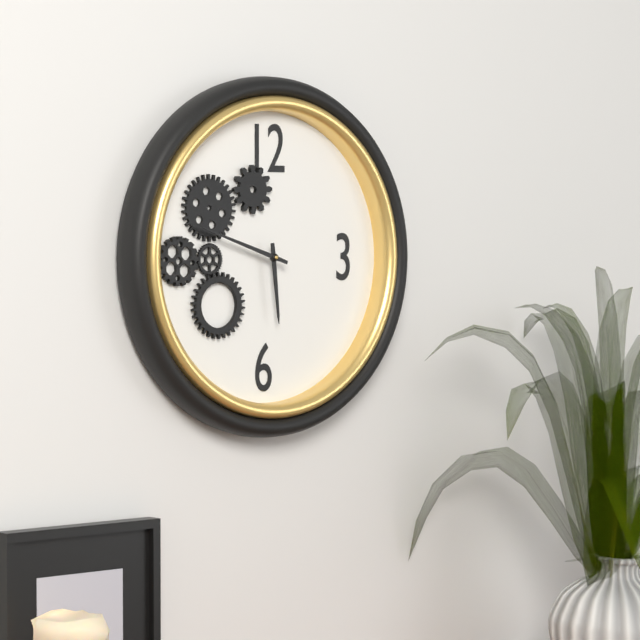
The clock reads 5:48
